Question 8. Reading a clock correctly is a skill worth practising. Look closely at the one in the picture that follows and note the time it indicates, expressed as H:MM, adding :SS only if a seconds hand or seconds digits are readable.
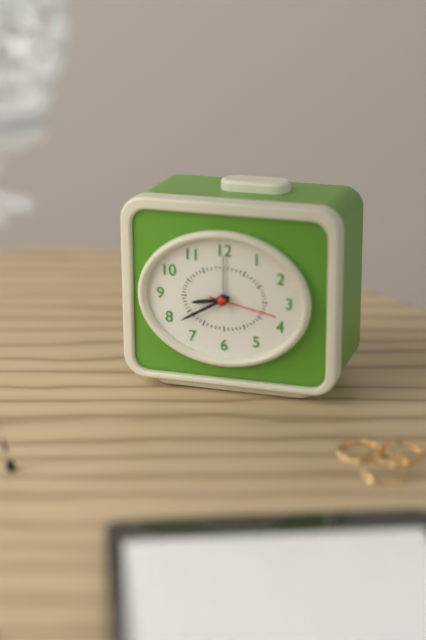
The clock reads 8:40:17
